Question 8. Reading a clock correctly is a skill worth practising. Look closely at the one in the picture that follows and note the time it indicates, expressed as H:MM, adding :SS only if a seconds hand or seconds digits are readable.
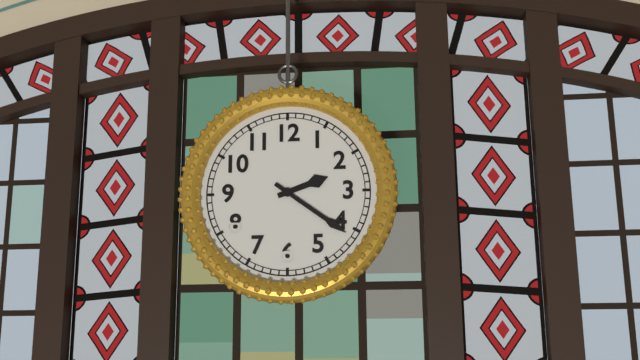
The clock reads 2:21
